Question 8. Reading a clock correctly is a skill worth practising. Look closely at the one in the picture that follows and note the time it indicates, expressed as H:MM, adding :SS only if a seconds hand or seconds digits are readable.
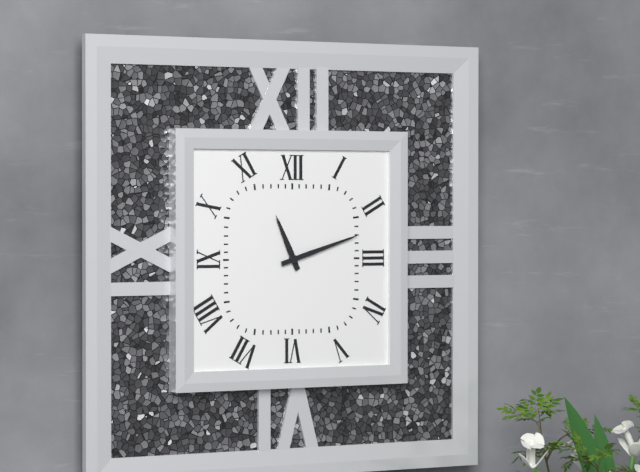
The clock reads 11:12
